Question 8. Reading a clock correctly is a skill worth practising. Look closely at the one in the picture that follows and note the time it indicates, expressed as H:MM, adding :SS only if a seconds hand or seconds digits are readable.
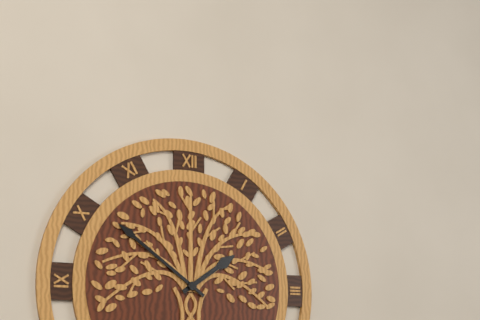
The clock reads 1:51
